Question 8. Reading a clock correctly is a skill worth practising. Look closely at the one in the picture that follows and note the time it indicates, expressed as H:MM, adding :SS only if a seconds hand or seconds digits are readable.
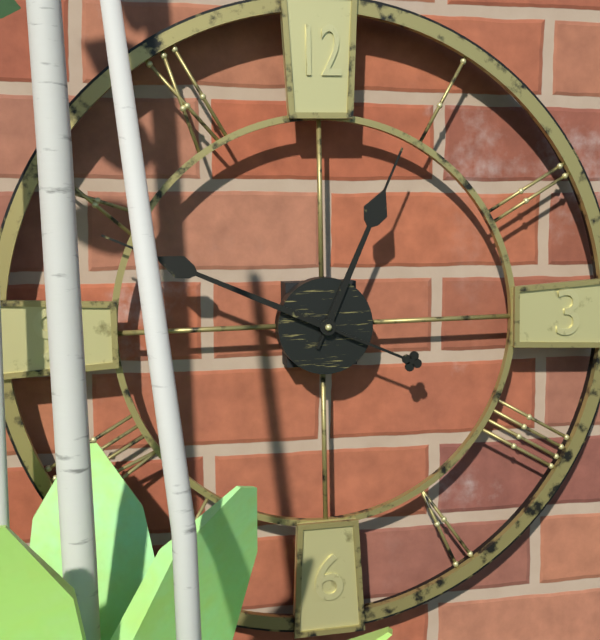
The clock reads 12:49
